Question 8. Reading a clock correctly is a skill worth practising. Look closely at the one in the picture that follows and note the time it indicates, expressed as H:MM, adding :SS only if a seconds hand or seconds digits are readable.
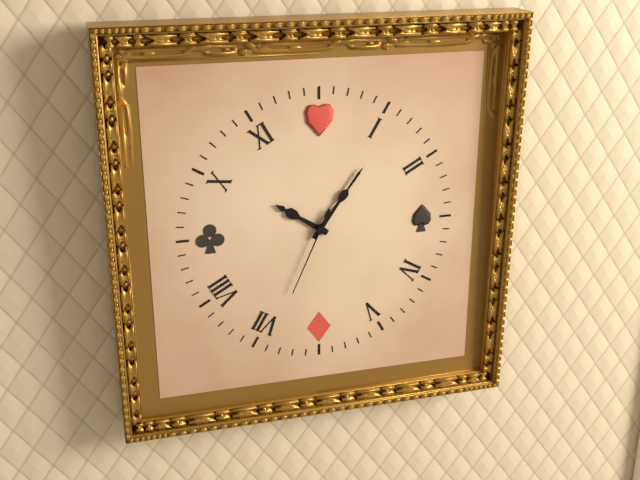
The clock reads 10:06:34
